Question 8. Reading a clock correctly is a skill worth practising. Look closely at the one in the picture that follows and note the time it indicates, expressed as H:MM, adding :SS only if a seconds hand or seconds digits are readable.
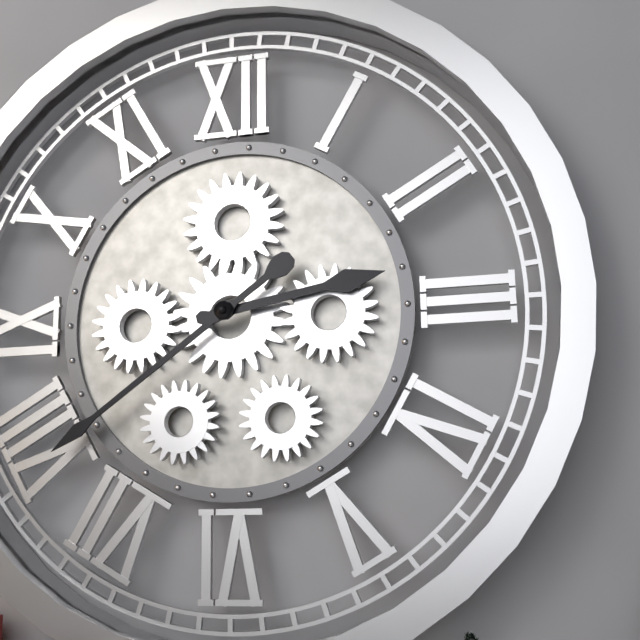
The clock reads 2:39
